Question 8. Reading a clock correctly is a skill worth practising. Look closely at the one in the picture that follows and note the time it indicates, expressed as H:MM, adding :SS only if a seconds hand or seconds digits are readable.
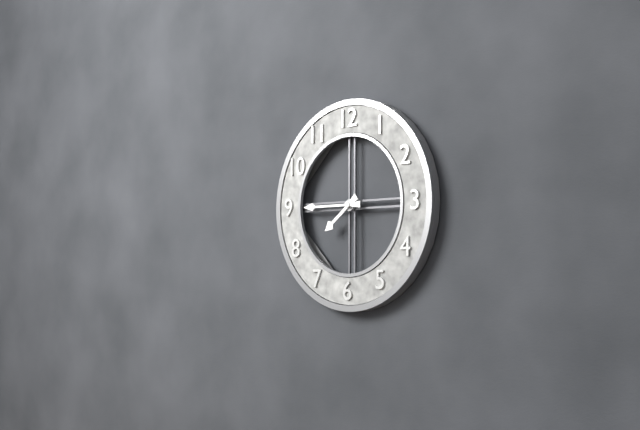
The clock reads 7:45
